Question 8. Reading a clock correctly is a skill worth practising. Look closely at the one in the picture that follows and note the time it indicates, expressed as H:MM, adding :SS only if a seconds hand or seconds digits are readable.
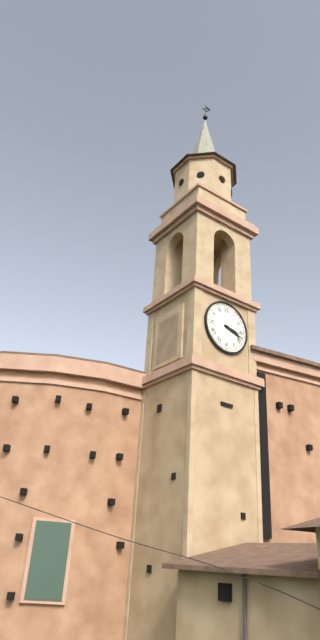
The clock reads 3:18
